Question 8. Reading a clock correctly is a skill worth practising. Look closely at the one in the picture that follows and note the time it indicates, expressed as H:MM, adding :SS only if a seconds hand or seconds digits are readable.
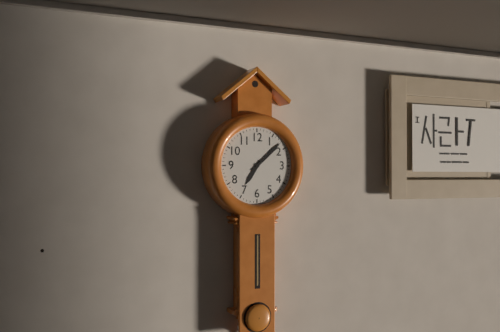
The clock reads 7:08
